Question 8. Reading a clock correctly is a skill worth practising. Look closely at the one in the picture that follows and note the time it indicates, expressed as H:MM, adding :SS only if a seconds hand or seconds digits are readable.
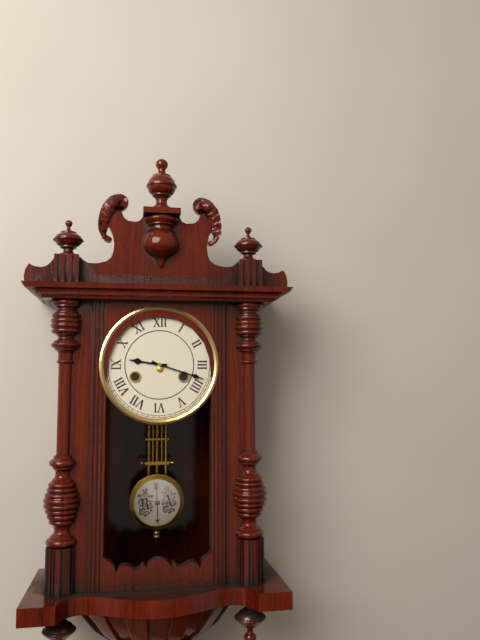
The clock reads 9:18
